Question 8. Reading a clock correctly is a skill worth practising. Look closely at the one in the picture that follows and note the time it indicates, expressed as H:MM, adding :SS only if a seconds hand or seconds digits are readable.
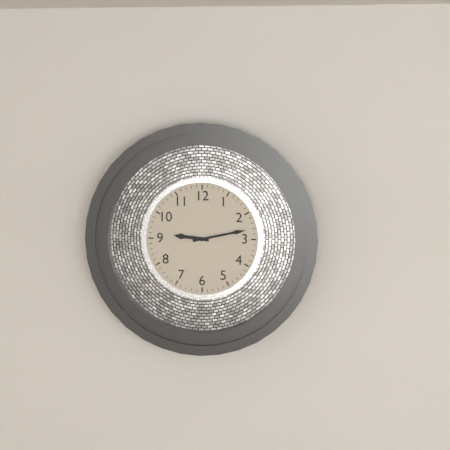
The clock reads 9:13
